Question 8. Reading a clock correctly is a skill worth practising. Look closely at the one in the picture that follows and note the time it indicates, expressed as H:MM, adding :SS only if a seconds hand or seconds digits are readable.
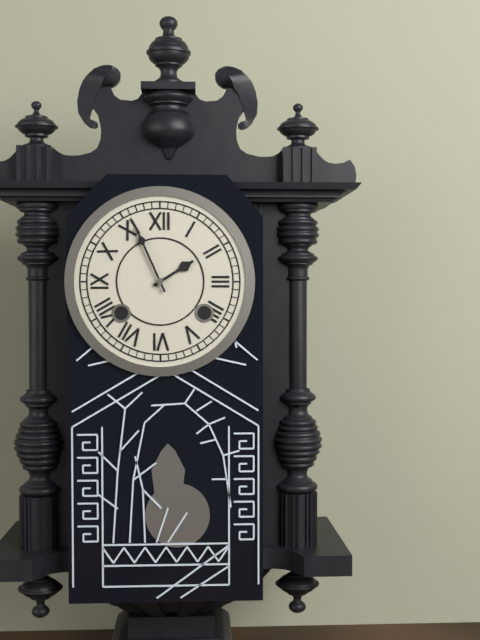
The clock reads 1:56
